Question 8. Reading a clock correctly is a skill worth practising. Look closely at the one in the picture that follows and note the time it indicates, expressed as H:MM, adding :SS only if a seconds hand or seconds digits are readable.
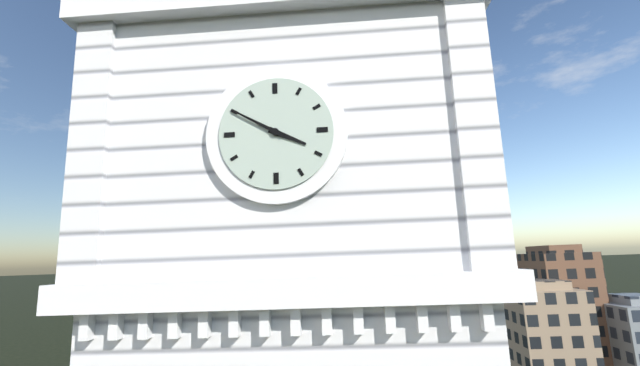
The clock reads 3:50
